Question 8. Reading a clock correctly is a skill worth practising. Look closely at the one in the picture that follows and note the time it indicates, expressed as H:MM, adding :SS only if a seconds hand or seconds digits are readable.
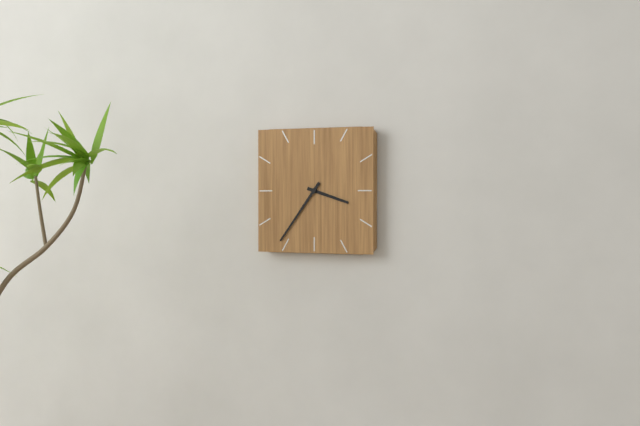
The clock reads 3:36
